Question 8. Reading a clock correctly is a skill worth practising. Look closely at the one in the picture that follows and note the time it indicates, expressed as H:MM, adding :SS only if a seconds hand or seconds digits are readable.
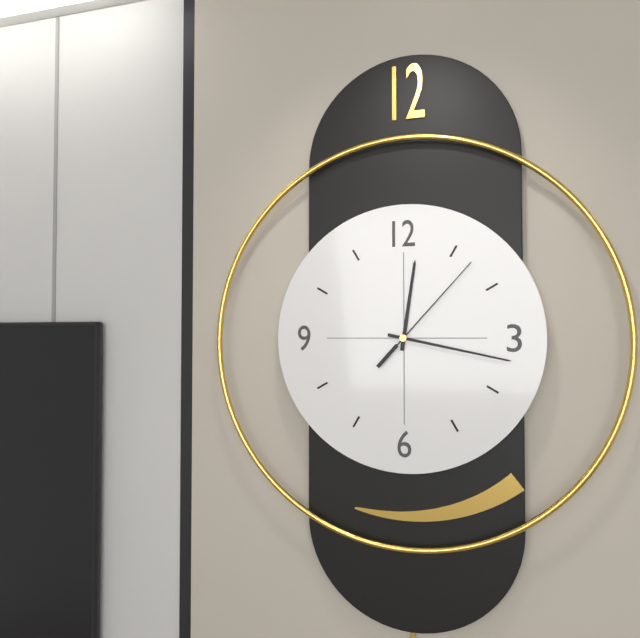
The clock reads 12:17:07
